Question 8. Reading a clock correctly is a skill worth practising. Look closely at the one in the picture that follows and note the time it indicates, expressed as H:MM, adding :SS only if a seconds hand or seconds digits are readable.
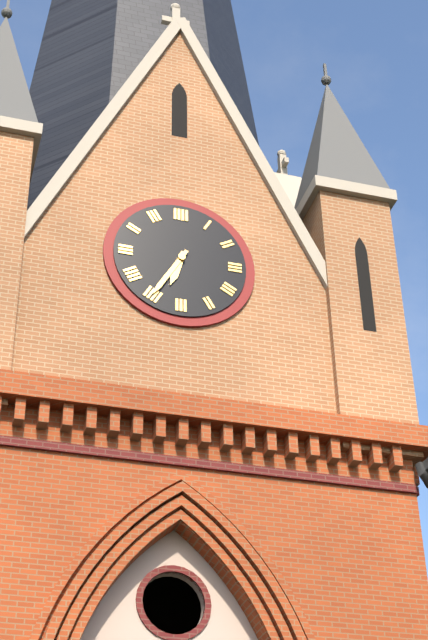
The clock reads 6:35
